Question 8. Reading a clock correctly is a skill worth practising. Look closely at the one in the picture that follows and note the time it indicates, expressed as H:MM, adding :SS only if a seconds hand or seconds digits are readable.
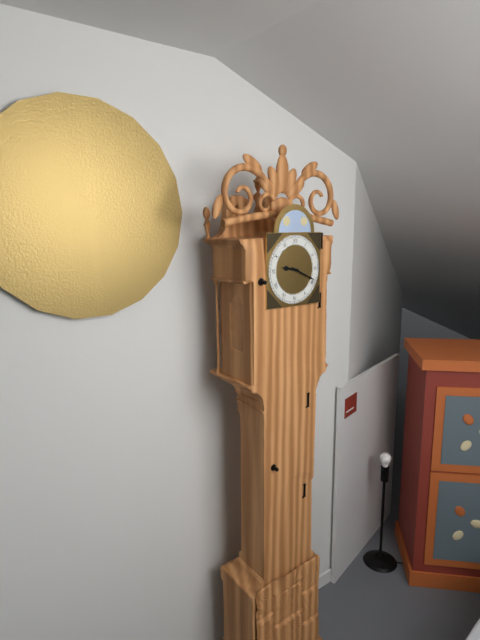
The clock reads 9:19
